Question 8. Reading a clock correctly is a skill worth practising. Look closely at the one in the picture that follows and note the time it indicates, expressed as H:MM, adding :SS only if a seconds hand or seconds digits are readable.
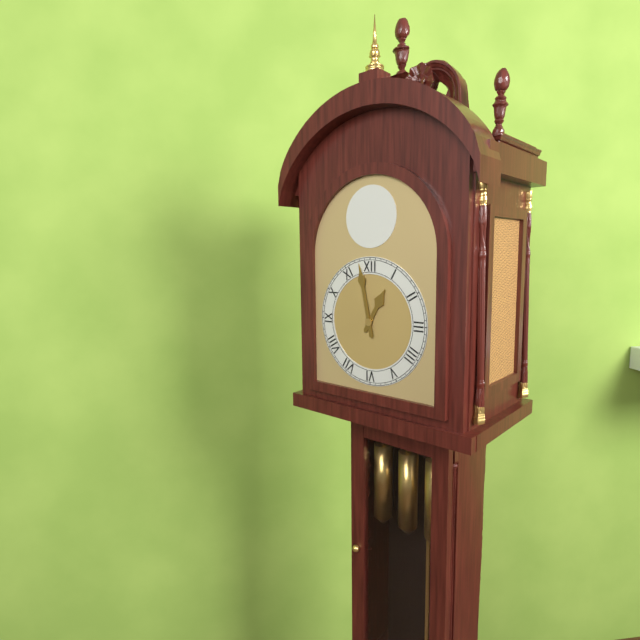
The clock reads 12:58
